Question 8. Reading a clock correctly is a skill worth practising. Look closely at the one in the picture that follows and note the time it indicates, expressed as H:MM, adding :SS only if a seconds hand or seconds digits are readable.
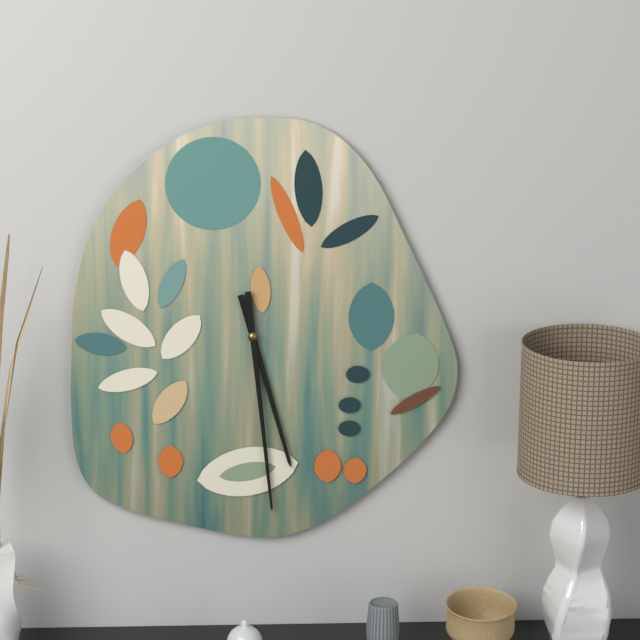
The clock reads 5:29
